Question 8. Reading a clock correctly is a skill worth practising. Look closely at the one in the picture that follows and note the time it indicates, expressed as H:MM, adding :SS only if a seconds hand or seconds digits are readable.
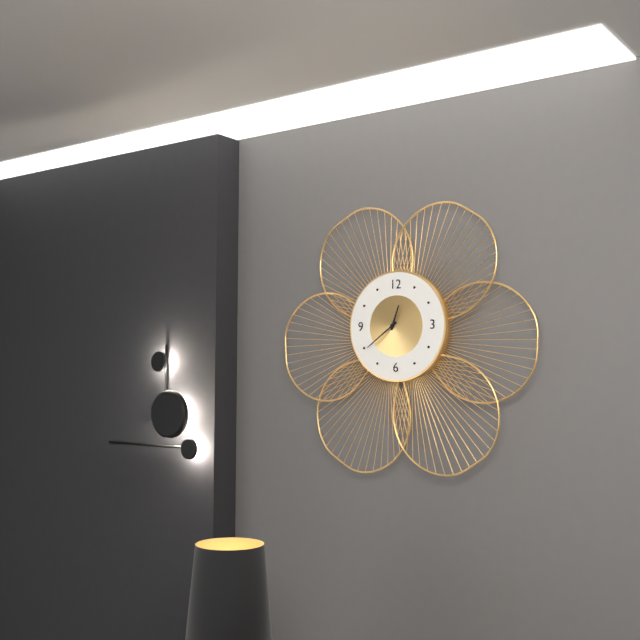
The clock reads 12:39
